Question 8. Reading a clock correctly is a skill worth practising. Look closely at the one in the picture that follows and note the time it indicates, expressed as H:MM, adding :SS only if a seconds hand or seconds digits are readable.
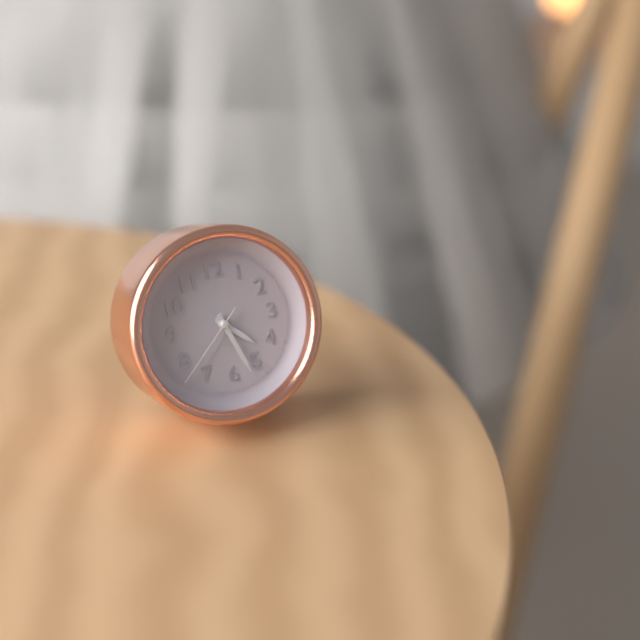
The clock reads 4:27:38
